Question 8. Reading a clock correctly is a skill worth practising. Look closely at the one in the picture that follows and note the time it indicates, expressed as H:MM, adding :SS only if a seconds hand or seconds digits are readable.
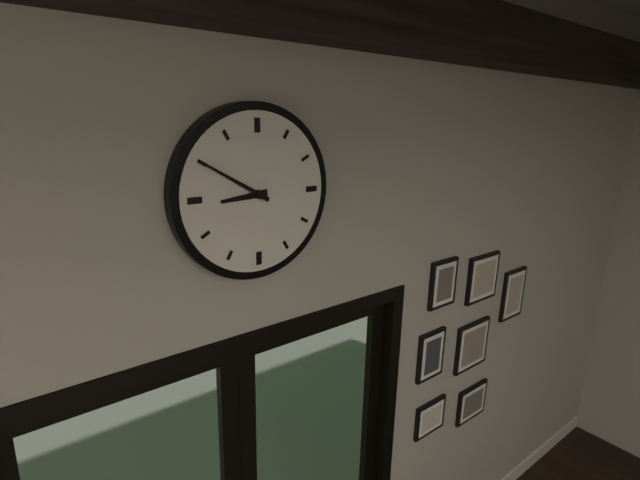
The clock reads 8:50
